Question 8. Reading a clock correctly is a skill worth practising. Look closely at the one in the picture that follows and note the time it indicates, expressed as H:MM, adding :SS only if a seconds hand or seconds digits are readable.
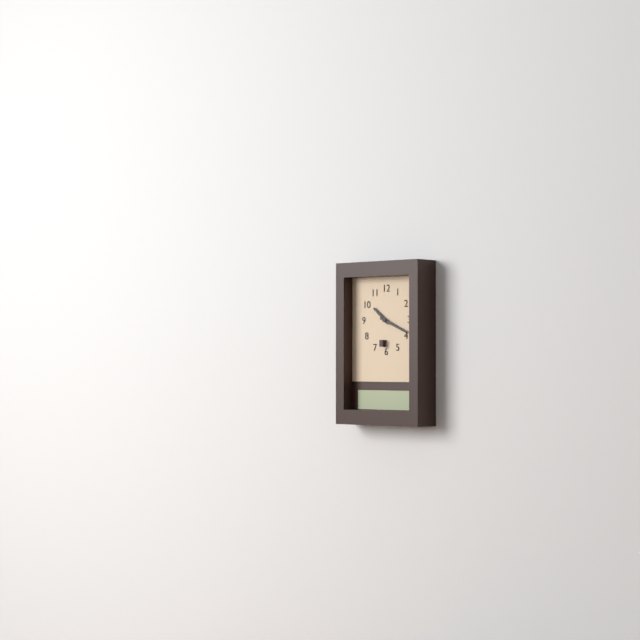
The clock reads 10:19
